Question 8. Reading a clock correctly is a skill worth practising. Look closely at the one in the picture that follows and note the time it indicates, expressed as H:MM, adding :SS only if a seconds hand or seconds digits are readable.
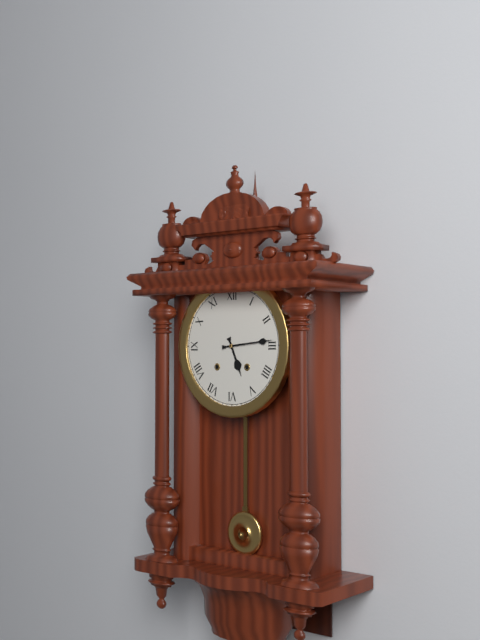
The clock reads 5:14
